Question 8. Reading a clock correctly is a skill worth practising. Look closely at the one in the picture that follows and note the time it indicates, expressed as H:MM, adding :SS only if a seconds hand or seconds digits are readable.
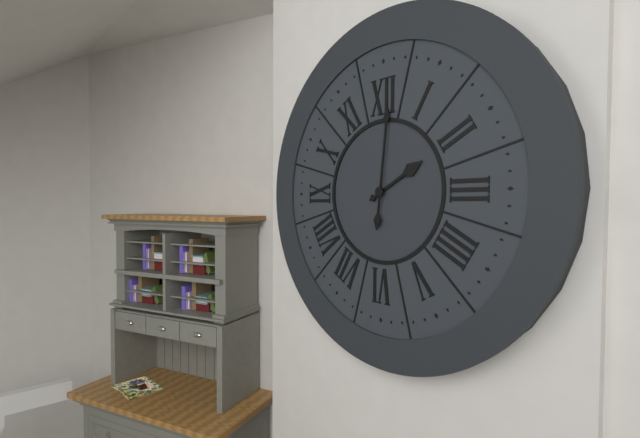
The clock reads 2:01
